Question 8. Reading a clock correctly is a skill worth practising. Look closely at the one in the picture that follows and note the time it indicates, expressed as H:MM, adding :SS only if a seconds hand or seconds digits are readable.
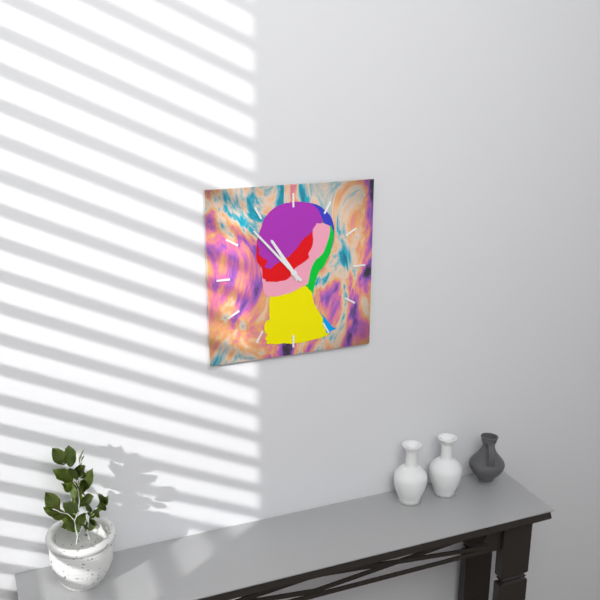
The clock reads 10:53
